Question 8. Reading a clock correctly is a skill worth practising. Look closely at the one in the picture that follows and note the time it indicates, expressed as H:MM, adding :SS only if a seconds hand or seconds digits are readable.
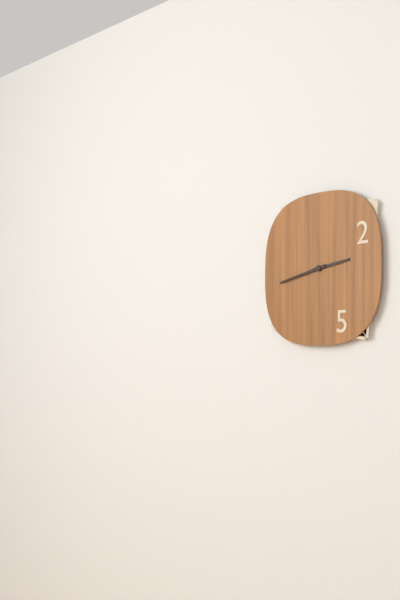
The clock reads 2:43
